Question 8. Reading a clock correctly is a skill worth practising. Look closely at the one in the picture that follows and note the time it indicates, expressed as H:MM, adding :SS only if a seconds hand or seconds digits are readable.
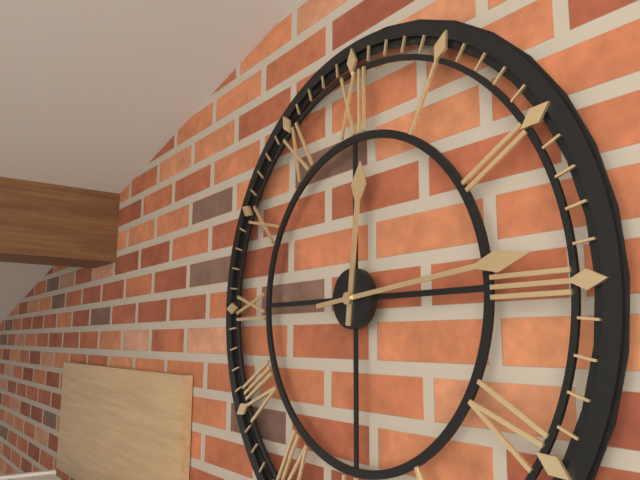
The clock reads 12:14
